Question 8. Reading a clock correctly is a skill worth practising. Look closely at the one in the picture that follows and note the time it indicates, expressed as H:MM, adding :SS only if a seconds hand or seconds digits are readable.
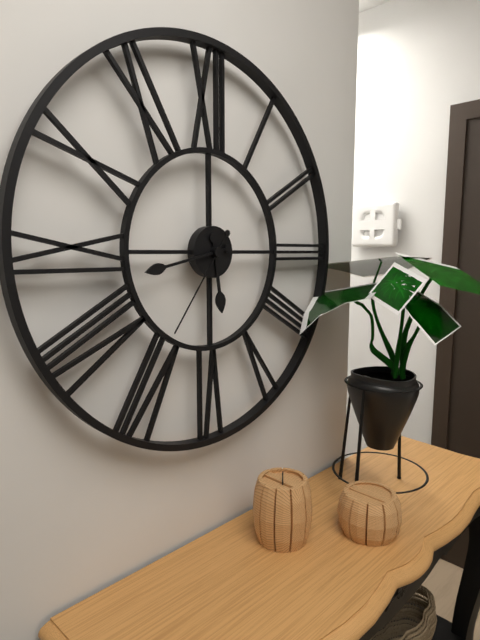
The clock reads 5:43:36
